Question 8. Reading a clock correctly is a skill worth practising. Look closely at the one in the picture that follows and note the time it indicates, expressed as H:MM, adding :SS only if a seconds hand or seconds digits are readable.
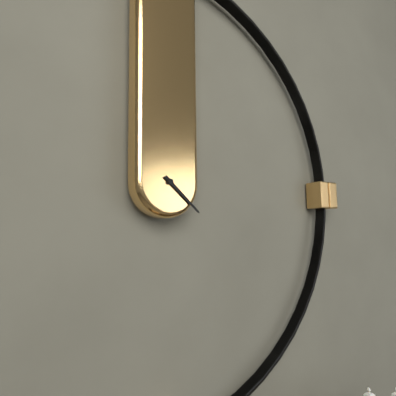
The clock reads 4:22
